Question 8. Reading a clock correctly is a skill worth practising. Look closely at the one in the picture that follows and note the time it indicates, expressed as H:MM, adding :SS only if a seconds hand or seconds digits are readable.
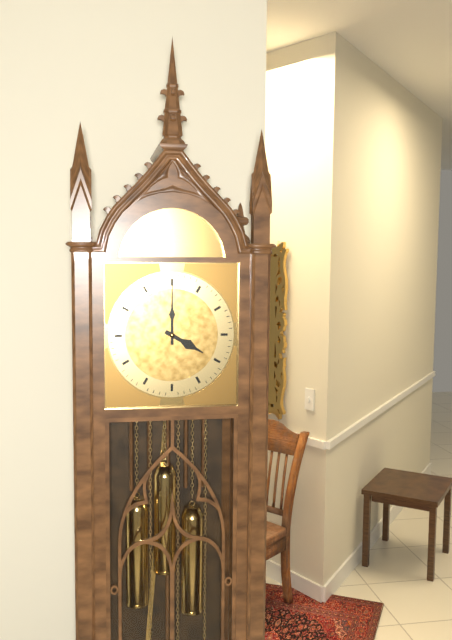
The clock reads 4:00
